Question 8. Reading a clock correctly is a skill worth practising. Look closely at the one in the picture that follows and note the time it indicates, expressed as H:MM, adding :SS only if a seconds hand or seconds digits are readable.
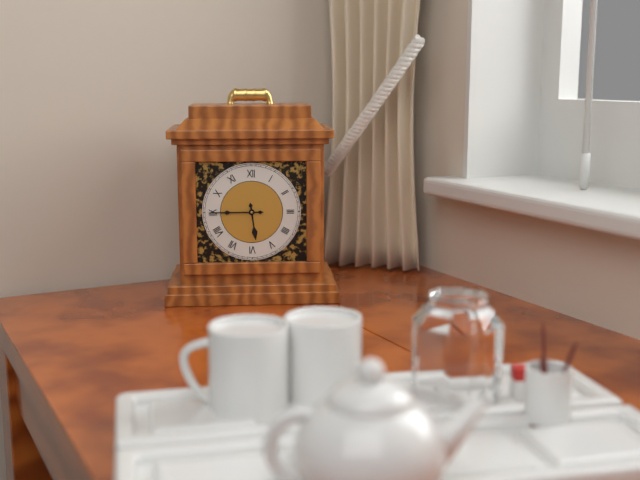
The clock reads 5:45
